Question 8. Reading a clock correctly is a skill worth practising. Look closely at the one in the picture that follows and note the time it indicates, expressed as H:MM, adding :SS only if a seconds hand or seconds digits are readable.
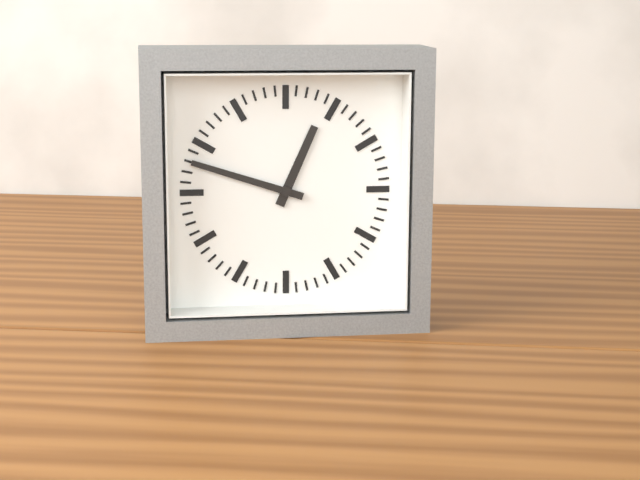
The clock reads 12:48
